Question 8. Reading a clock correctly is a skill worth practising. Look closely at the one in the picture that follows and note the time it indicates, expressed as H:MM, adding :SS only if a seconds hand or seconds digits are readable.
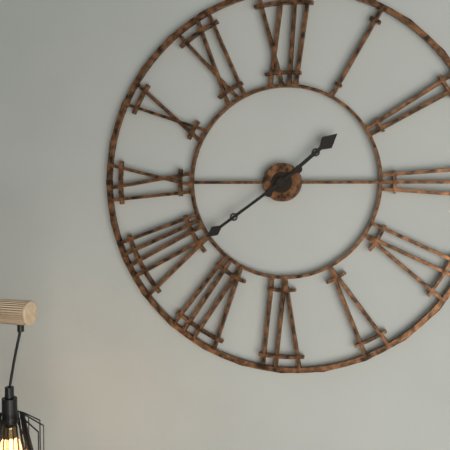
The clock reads 1:39
